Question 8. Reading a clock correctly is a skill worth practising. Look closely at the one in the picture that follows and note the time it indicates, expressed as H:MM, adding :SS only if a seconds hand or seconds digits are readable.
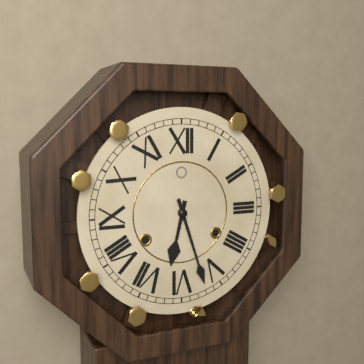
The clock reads 6:27
